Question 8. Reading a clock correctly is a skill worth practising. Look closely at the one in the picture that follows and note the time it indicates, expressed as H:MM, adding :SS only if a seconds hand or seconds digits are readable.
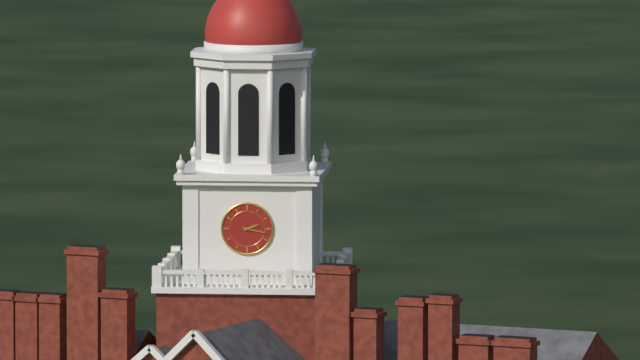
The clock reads 2:17
